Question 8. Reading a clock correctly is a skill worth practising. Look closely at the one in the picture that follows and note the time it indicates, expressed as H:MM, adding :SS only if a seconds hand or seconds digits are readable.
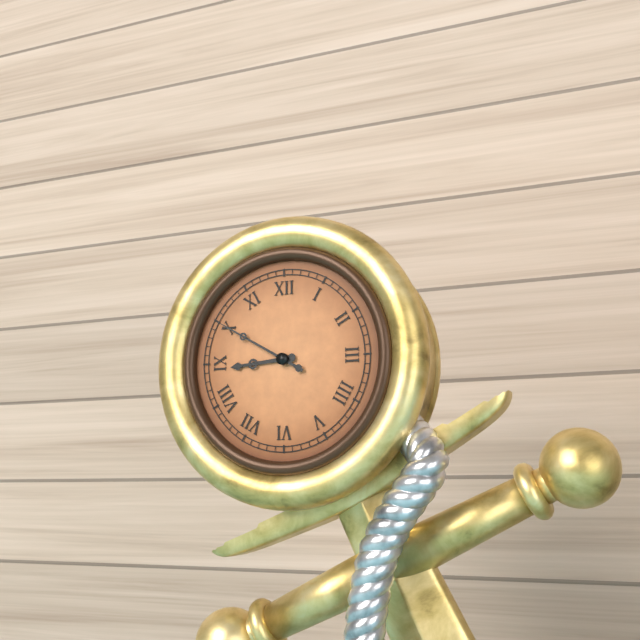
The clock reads 8:50
